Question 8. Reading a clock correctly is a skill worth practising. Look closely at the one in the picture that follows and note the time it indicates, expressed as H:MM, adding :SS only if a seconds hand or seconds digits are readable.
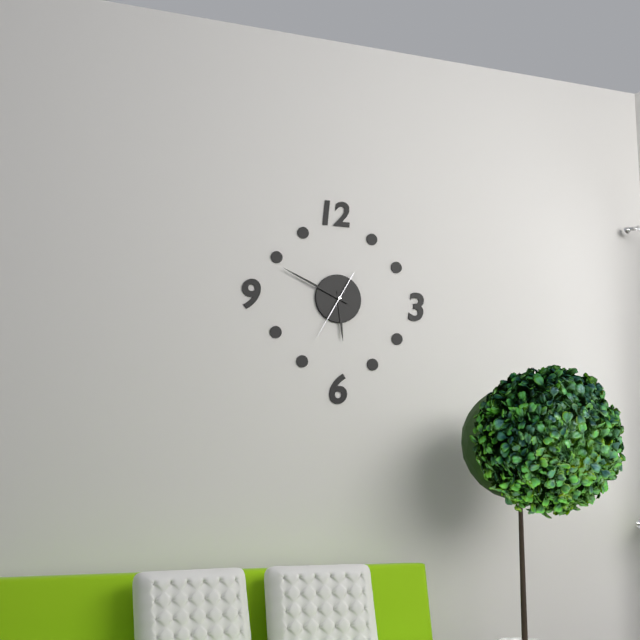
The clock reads 5:49:35
